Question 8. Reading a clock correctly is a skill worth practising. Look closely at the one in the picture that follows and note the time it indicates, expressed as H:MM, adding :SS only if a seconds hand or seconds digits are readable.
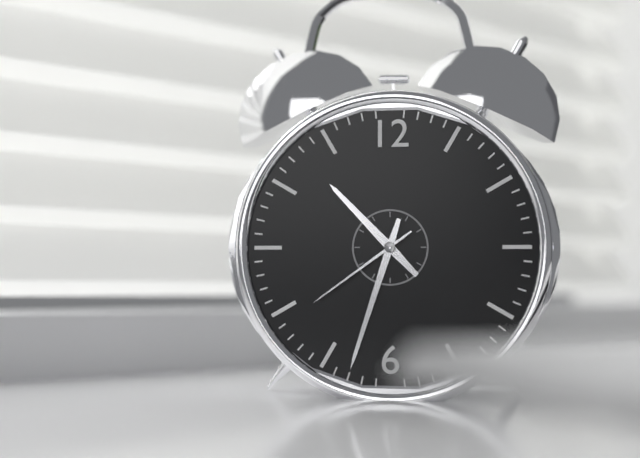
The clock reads 10:33:39
